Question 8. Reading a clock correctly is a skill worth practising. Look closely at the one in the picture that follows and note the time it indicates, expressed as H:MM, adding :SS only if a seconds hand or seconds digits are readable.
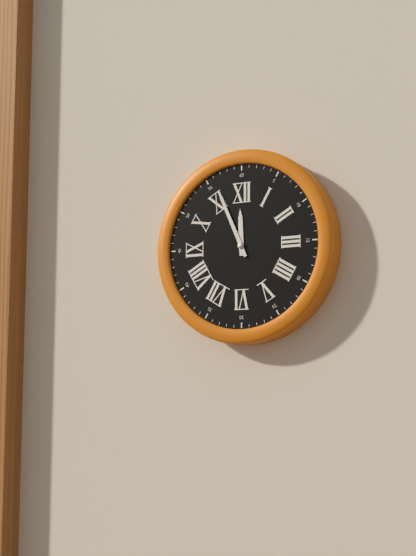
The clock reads 11:56
